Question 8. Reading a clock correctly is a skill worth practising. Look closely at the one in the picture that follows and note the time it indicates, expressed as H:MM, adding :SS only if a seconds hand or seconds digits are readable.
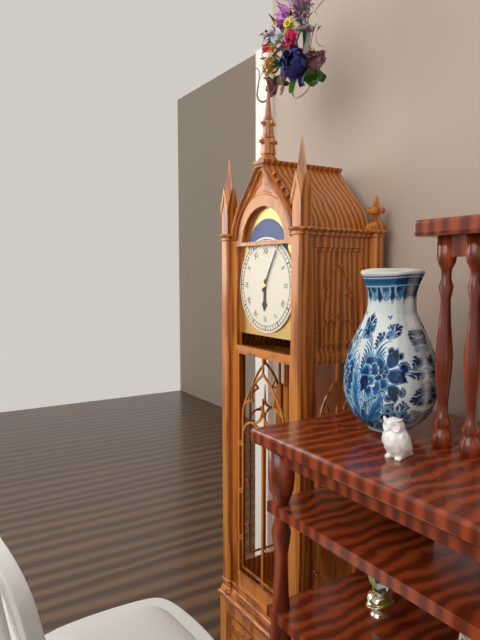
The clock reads 6:05
